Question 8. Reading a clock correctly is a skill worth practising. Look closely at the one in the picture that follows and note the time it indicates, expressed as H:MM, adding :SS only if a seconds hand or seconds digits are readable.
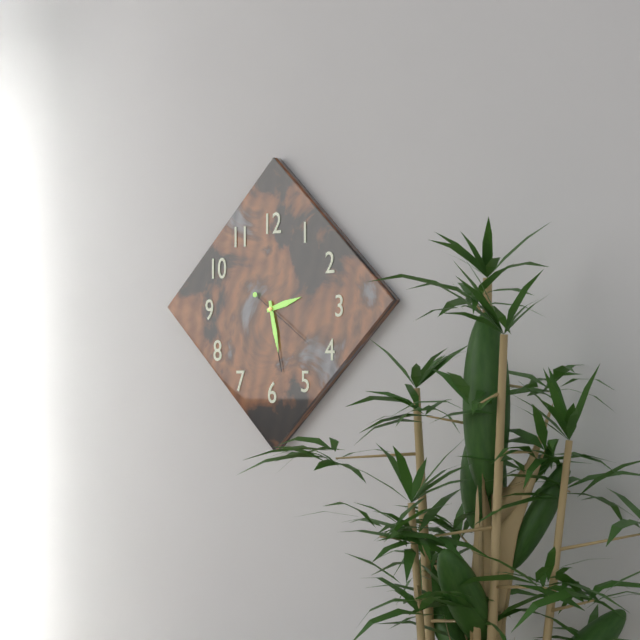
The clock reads 2:28:21
